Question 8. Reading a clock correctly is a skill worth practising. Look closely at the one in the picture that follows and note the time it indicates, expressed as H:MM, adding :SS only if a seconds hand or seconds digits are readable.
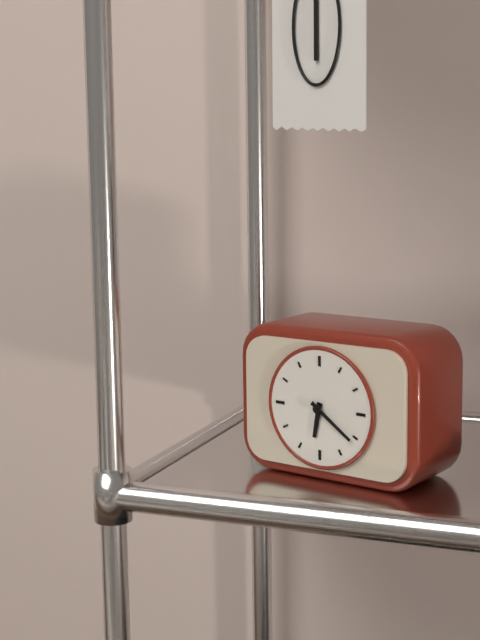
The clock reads 6:21
